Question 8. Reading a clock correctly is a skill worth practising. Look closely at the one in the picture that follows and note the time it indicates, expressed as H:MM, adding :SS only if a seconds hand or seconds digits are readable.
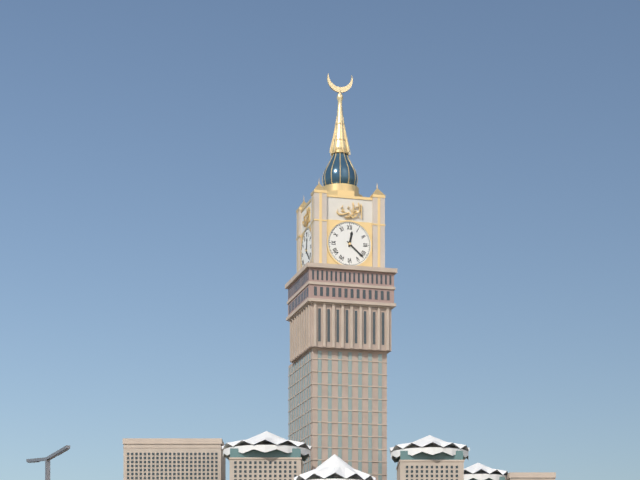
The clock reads 12:22
